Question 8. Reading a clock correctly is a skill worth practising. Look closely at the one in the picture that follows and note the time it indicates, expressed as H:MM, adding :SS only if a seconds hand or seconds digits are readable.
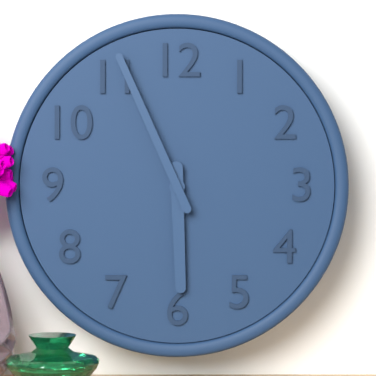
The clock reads 5:56
